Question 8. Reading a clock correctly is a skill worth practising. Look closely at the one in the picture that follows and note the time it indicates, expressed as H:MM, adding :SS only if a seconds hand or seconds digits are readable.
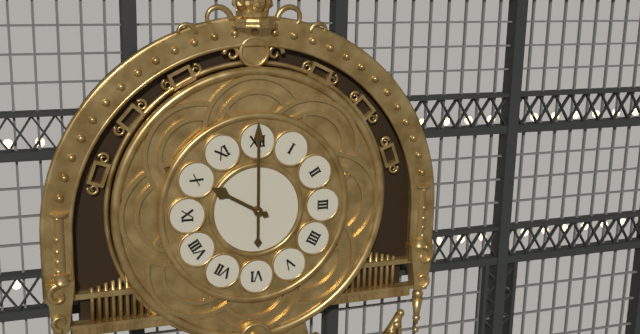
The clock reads 10:00
